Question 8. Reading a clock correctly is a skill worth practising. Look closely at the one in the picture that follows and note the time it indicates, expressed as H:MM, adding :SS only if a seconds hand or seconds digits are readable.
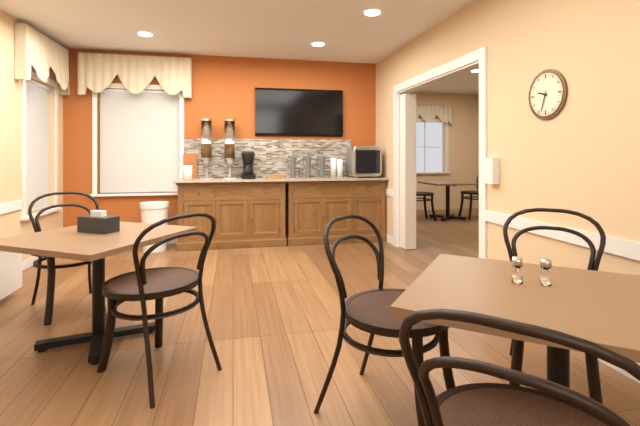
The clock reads 9:33
